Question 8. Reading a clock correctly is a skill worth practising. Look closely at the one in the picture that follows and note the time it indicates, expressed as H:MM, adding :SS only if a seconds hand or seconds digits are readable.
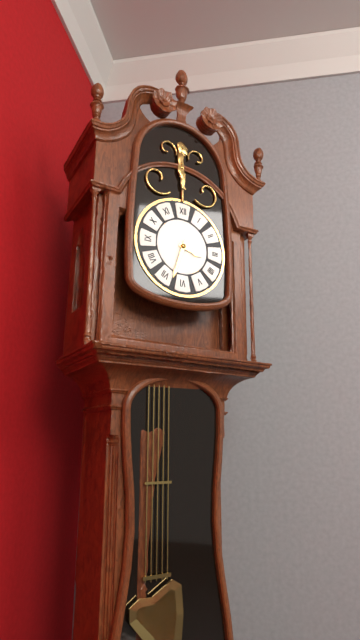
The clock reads 3:33
